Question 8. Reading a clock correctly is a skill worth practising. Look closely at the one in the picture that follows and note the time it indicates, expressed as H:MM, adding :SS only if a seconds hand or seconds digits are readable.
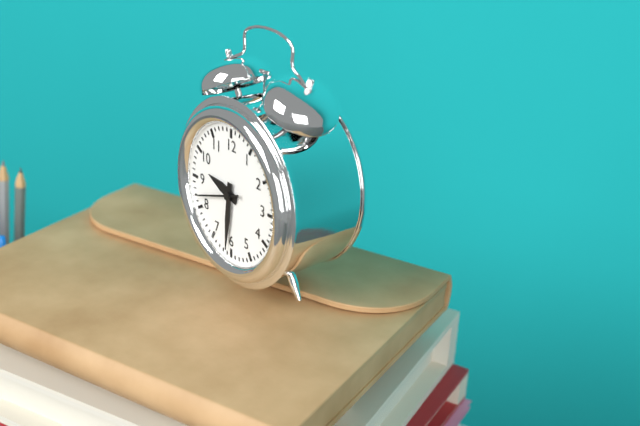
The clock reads 9:31
